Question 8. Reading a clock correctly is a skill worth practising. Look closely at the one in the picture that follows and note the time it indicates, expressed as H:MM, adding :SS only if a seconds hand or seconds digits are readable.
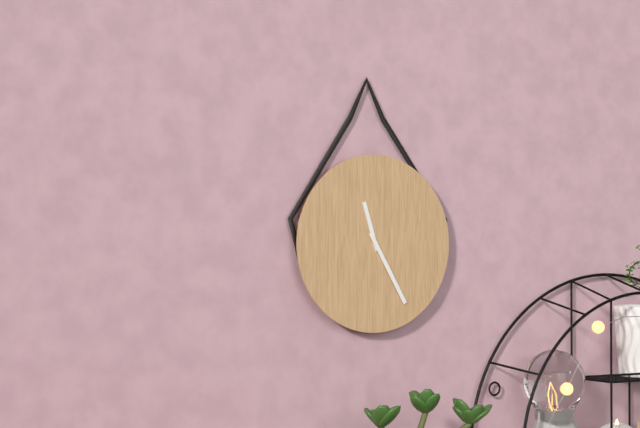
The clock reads 11:25
